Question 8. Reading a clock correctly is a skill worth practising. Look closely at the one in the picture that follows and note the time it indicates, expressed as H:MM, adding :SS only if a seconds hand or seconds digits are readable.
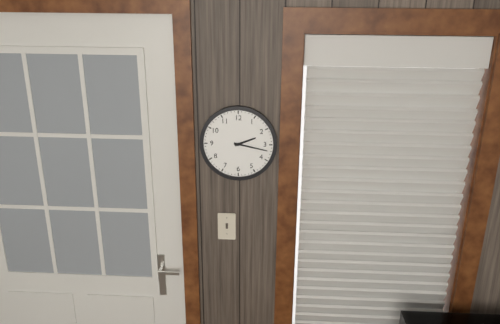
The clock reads 2:17
